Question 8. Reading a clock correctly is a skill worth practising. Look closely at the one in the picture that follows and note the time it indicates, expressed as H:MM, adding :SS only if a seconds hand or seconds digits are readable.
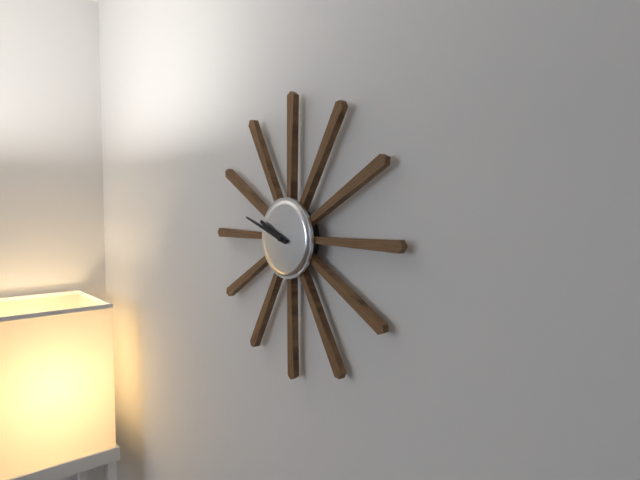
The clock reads 9:48
